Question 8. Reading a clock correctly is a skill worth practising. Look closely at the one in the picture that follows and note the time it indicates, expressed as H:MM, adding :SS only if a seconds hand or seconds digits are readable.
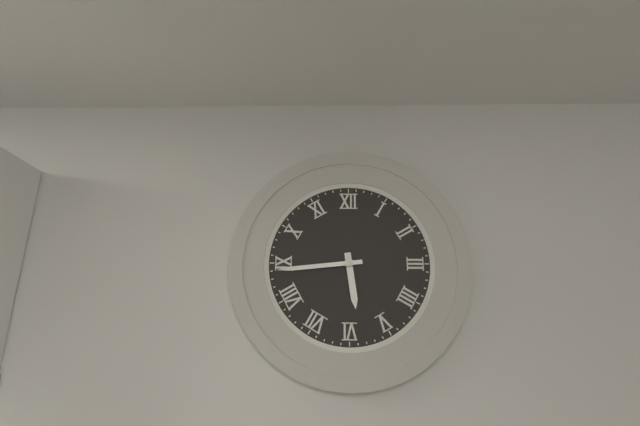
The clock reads 5:44
